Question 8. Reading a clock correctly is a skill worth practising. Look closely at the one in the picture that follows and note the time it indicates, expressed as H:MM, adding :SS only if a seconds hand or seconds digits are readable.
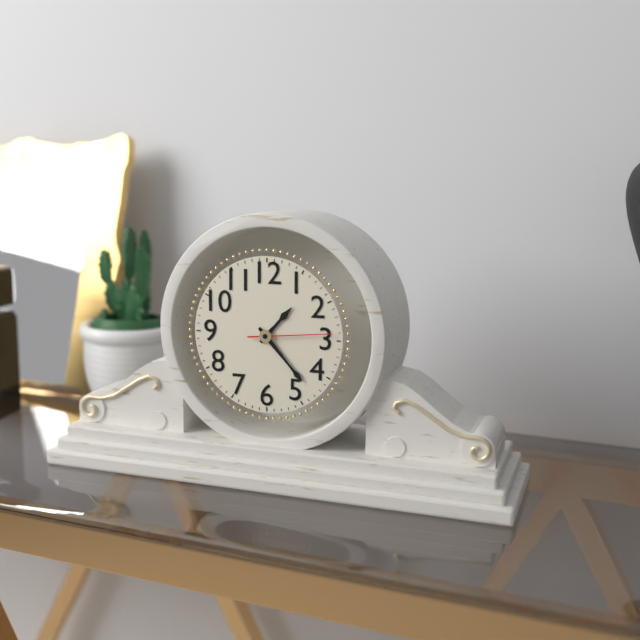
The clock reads 1:23:14
